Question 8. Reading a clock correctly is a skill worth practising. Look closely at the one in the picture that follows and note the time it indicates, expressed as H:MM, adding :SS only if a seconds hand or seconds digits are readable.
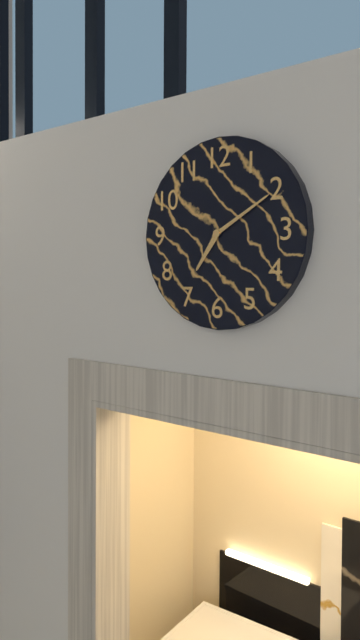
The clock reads 7:10
